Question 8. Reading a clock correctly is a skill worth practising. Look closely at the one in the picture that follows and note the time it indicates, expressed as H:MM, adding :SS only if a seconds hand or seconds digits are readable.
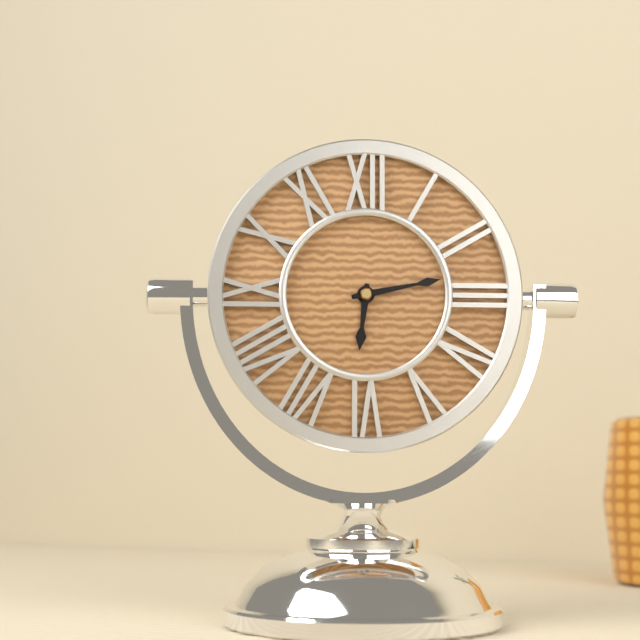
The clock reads 6:13
